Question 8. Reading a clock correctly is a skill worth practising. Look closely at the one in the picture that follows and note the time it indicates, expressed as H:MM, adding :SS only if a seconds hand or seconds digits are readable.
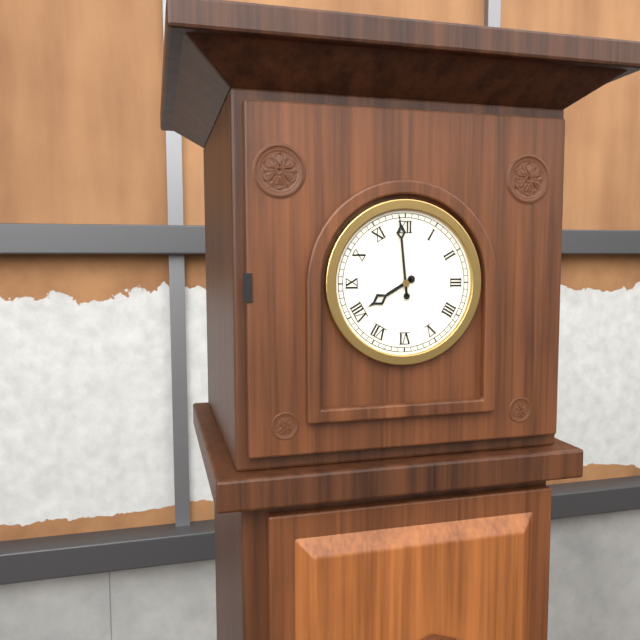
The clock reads 7:59
